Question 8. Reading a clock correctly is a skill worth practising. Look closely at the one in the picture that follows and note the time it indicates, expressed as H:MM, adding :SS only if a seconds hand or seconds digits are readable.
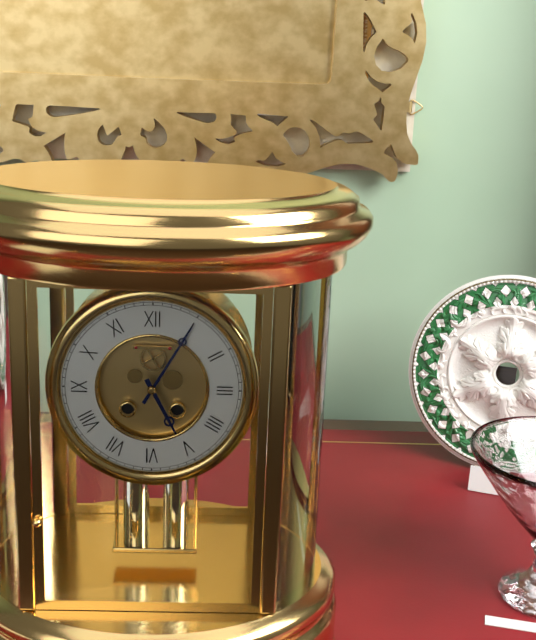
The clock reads 5:05
